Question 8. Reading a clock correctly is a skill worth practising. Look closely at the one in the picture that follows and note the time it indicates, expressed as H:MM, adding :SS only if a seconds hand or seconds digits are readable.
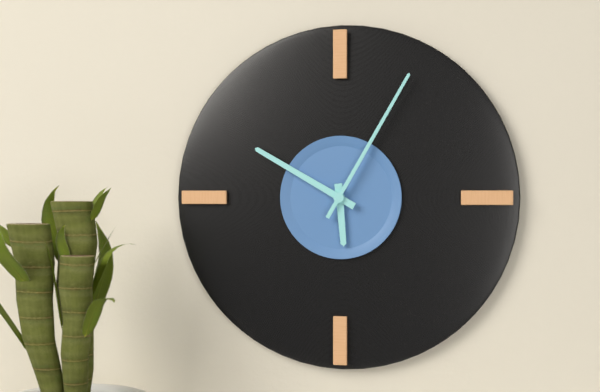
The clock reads 5:50:05
